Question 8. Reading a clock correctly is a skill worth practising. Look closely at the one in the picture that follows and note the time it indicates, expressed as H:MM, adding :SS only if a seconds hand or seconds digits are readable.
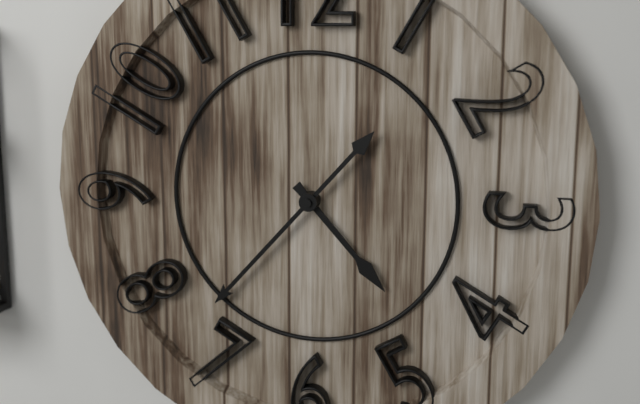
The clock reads 4:37
